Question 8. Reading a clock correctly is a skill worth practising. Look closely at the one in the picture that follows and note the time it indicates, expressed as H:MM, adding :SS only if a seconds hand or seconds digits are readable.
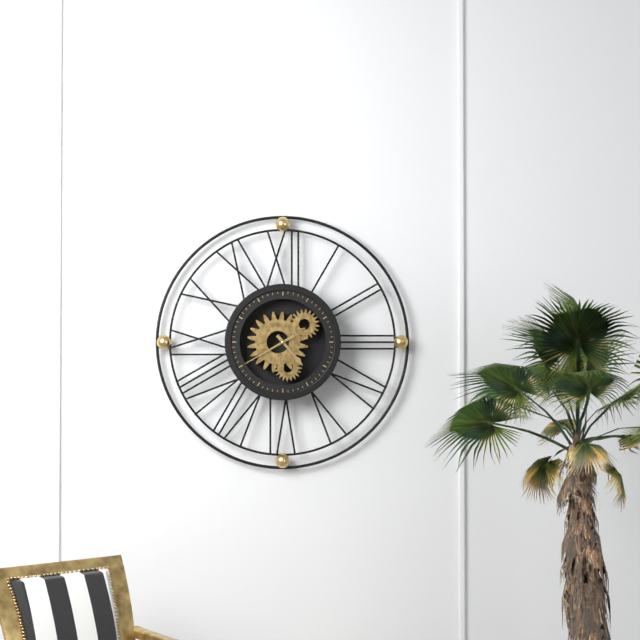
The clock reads 4:40
